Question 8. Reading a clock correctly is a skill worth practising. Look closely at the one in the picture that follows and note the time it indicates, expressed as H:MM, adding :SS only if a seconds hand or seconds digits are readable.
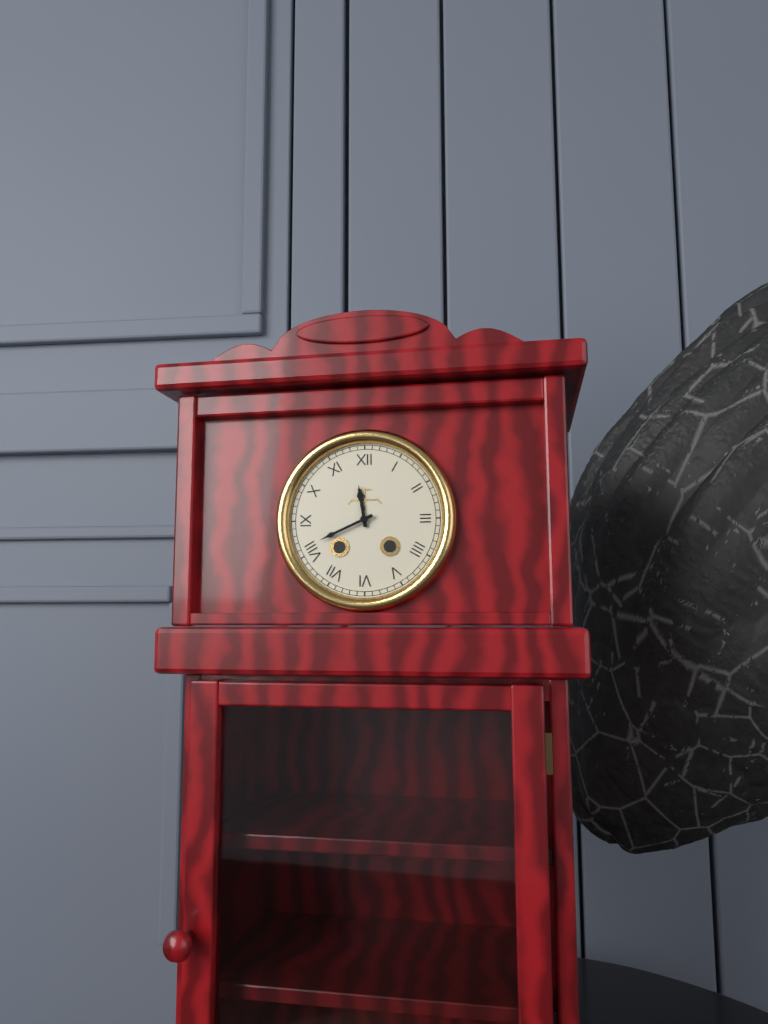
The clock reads 11:41
